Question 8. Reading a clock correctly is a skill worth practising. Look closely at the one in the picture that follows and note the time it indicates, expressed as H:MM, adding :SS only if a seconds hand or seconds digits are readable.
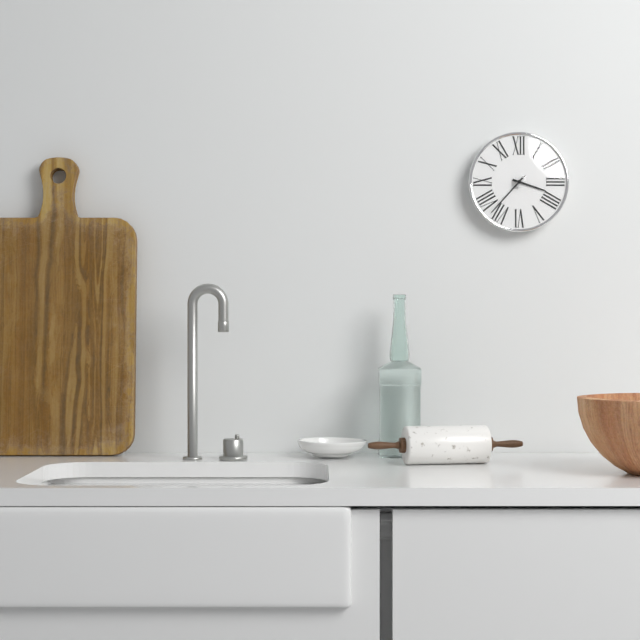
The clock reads 3:37
